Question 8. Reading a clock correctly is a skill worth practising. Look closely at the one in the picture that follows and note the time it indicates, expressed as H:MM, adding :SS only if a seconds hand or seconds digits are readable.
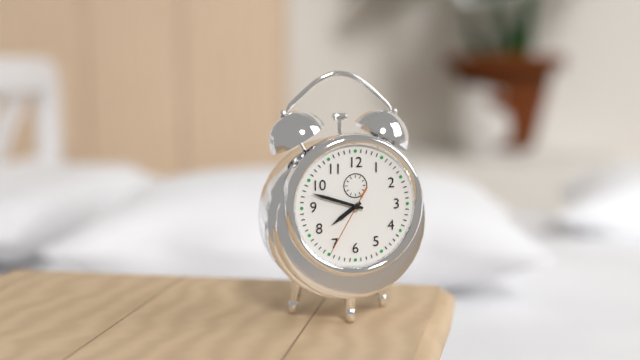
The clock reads 7:48:35
